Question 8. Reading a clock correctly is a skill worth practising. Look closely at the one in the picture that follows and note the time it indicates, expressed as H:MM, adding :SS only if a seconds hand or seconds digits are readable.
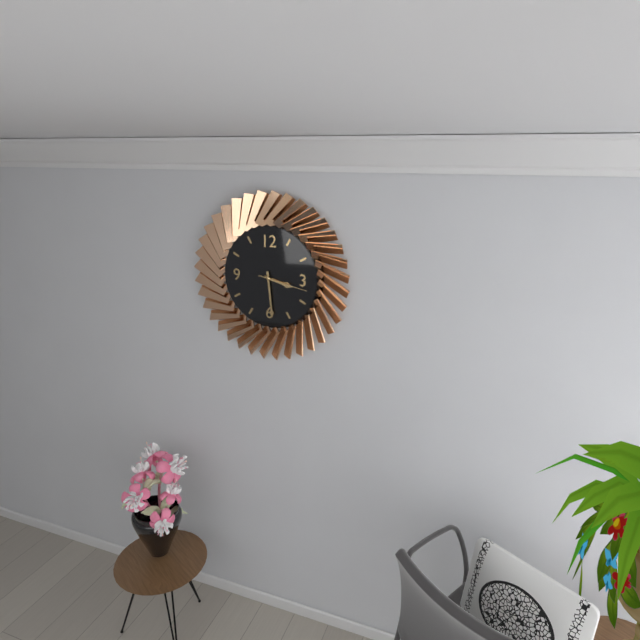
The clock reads 3:29:17
